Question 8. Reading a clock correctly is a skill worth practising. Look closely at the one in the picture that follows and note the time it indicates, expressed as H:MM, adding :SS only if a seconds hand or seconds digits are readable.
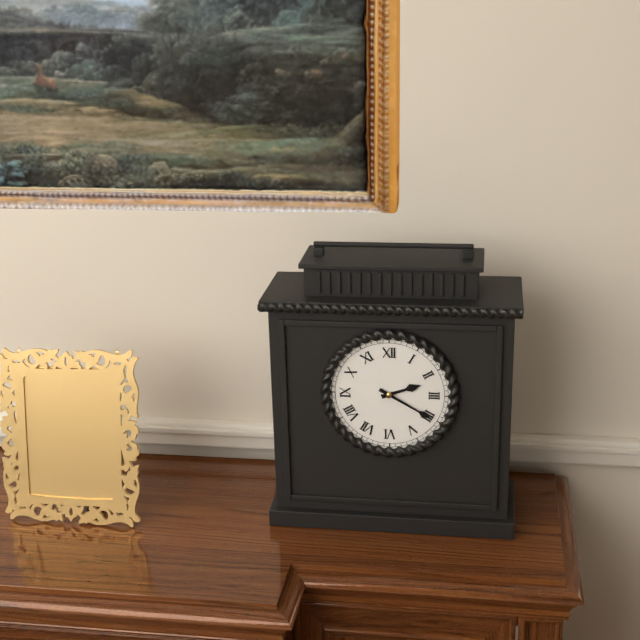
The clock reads 2:20
